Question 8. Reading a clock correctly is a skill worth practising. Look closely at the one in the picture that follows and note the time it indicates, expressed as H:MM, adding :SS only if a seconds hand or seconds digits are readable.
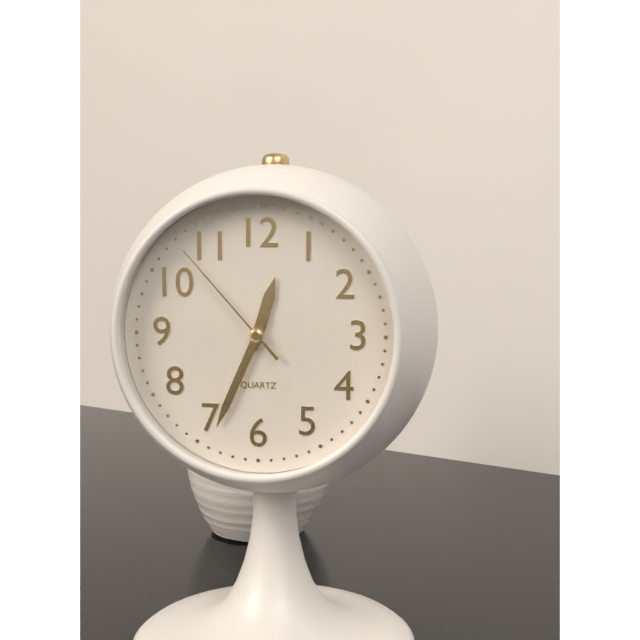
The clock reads 12:34:53
